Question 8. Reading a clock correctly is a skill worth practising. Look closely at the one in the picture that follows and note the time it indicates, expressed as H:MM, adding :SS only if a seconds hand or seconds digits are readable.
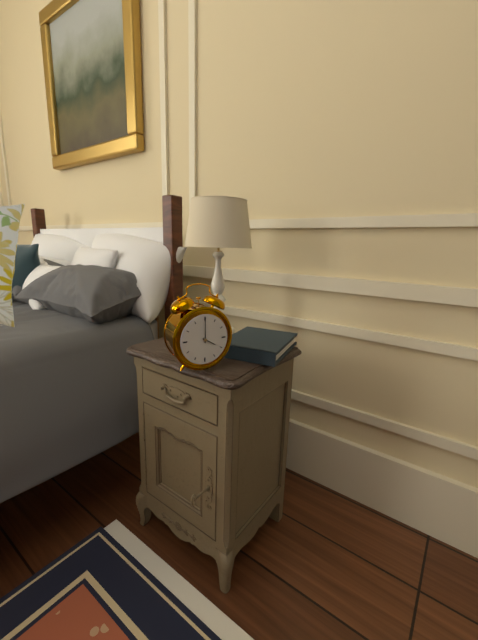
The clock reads 4:00
